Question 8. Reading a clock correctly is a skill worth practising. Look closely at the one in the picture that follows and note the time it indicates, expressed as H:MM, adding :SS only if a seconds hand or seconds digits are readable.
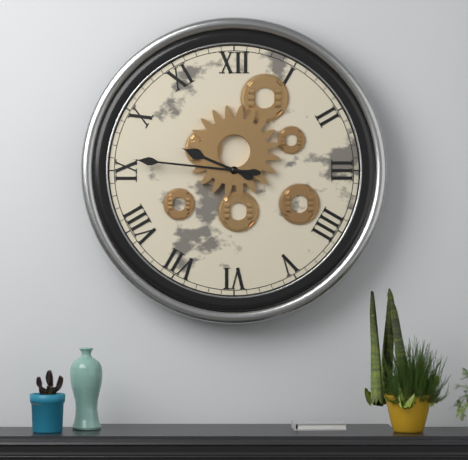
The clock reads 9:46
